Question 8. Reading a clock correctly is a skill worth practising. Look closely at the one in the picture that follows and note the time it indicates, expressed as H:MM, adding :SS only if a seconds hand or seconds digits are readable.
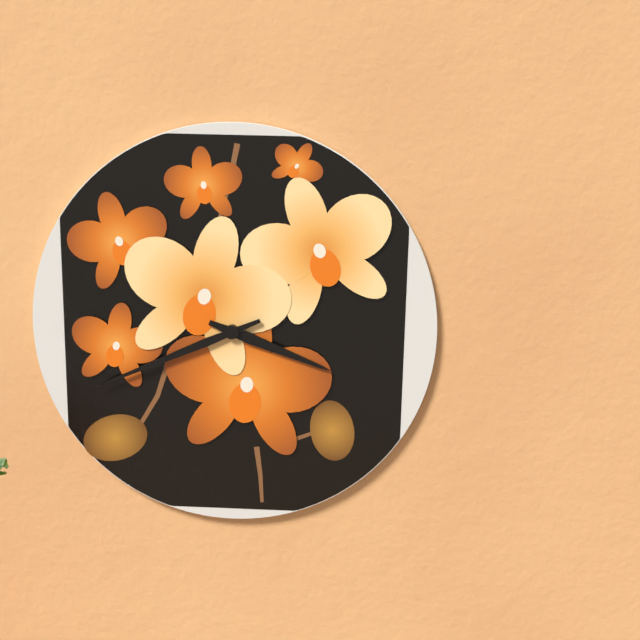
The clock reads 3:41
